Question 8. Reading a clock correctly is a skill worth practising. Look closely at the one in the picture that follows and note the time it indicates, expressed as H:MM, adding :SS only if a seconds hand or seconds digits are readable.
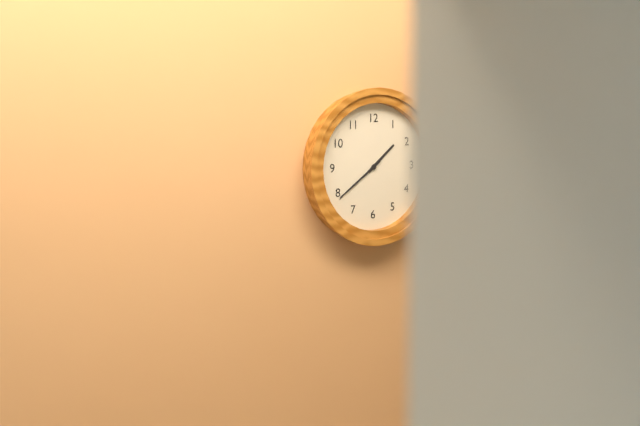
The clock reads 1:39
